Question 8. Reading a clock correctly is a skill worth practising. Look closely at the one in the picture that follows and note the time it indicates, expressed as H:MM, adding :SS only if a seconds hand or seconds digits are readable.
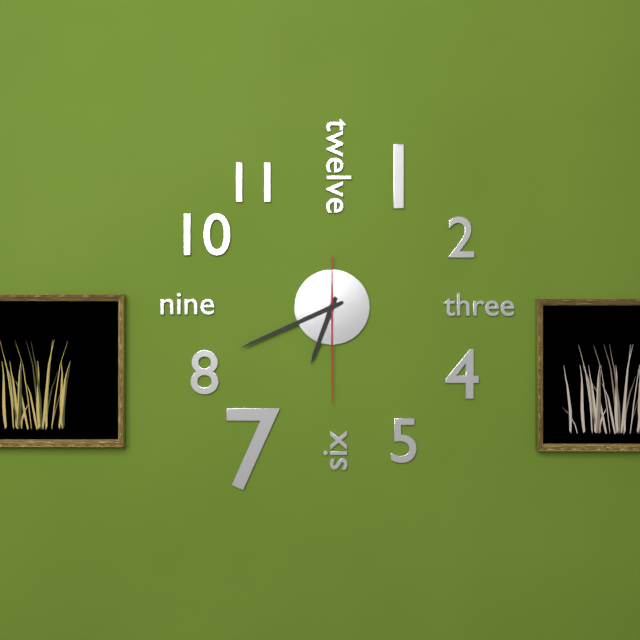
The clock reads 6:41:30
